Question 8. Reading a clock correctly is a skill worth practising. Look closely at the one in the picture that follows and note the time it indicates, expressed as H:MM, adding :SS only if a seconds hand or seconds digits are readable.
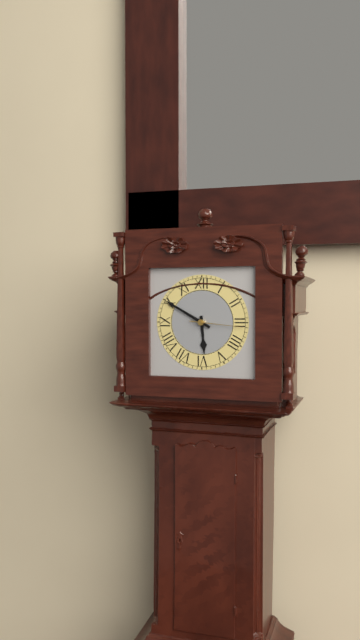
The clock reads 5:50:16
